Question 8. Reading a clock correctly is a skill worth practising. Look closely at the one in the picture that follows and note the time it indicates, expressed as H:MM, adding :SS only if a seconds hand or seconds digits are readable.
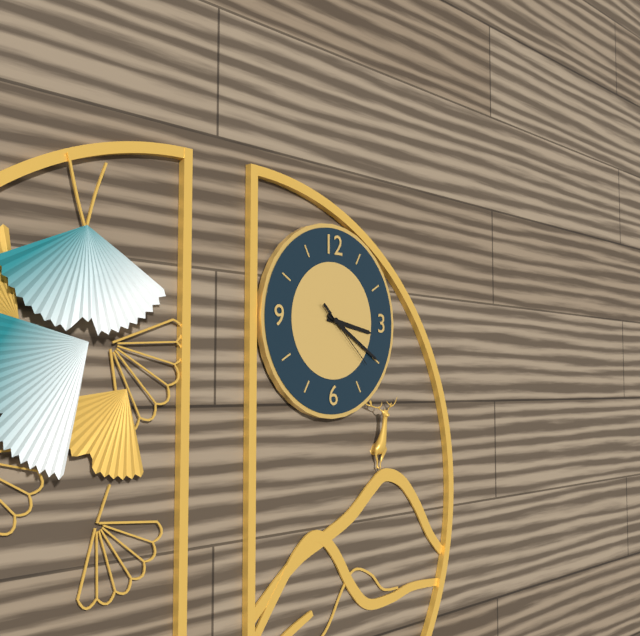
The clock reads 3:20:22
